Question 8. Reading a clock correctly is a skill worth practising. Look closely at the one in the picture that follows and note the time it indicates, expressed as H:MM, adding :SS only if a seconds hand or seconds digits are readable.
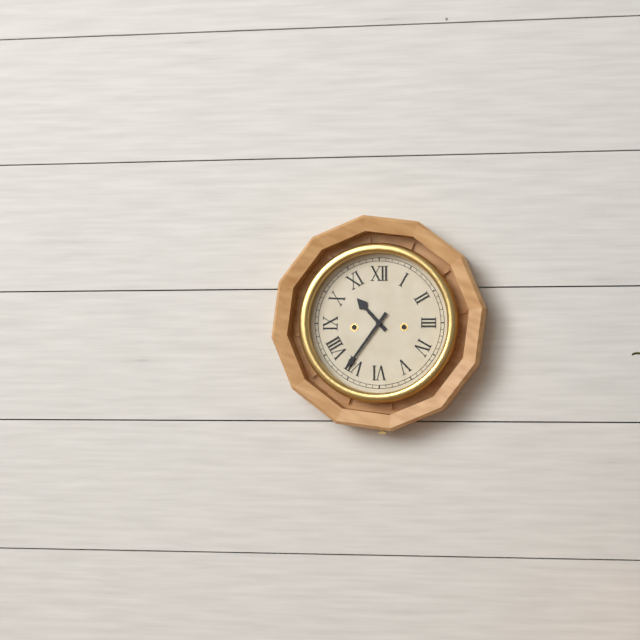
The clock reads 10:36
